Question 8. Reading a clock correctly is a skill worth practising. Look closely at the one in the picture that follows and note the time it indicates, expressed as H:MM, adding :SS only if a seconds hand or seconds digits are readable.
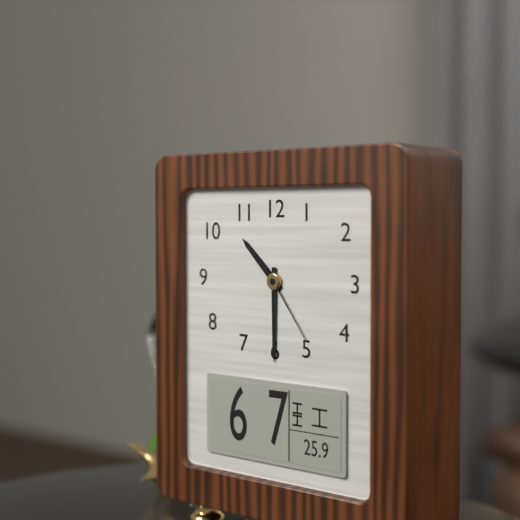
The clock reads 10:30:24
